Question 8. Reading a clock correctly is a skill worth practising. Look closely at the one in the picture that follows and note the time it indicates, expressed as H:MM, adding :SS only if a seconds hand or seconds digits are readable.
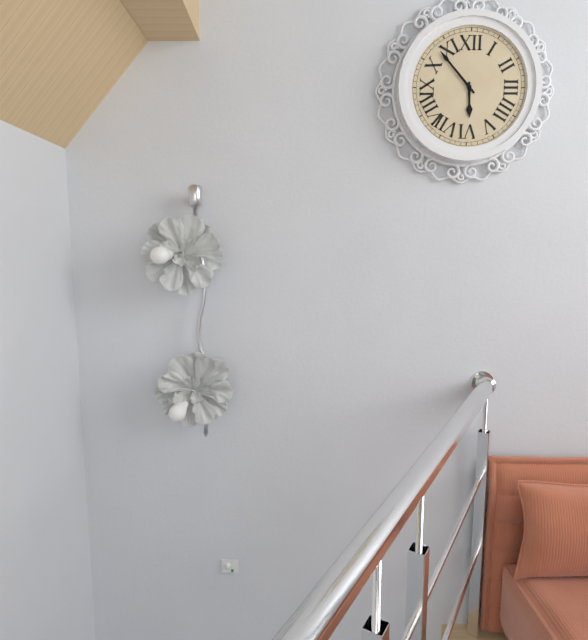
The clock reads 5:53
